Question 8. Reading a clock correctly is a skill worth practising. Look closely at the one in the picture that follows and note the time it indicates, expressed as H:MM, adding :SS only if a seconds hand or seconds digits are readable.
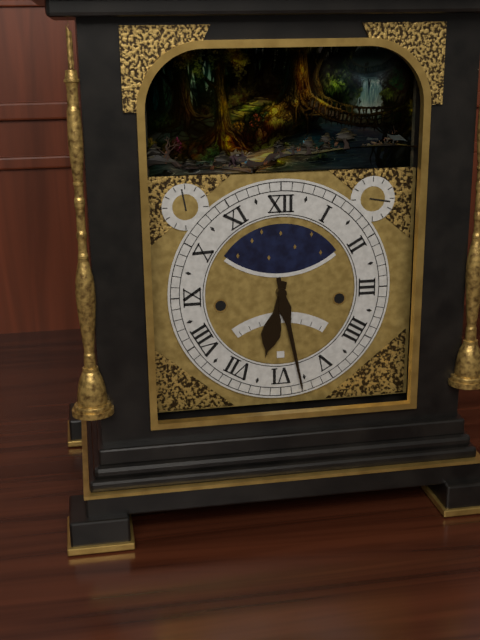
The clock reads 6:28
